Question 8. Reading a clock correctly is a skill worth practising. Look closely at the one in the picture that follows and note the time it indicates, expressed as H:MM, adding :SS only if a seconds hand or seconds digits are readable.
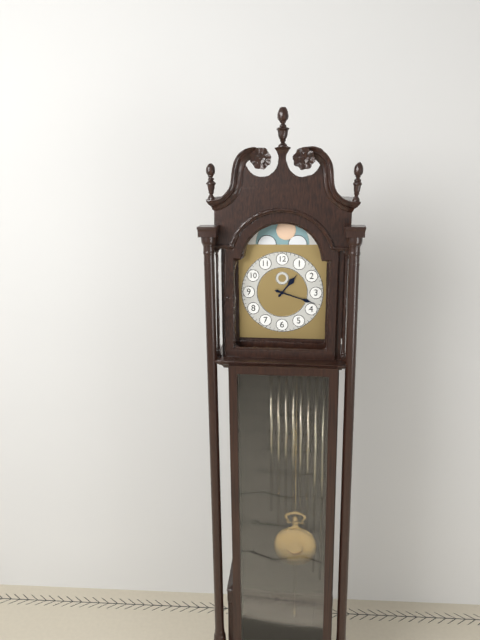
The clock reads 1:18
